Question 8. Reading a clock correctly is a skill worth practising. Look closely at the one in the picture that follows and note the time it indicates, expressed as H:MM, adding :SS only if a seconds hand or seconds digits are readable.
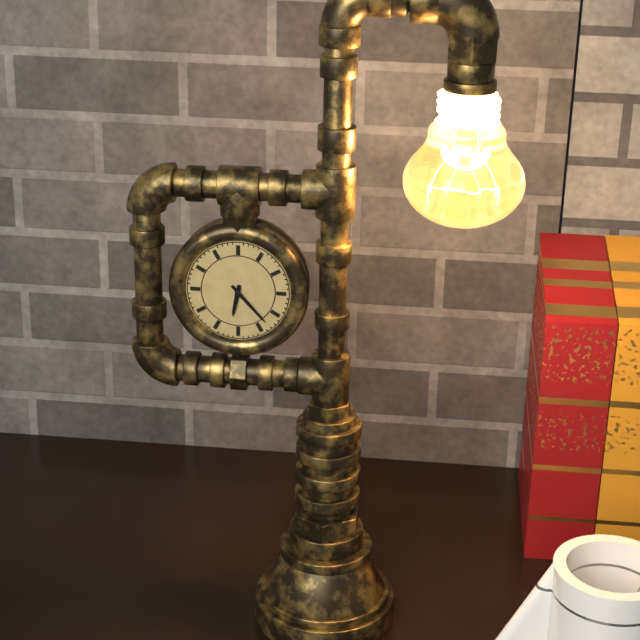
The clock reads 6:23
